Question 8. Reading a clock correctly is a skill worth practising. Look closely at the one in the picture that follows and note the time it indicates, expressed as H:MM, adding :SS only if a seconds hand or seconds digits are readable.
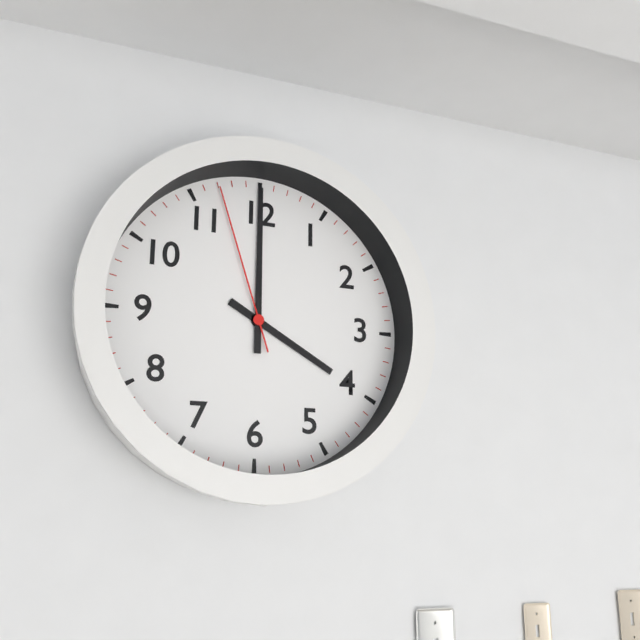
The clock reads 4:00:57
